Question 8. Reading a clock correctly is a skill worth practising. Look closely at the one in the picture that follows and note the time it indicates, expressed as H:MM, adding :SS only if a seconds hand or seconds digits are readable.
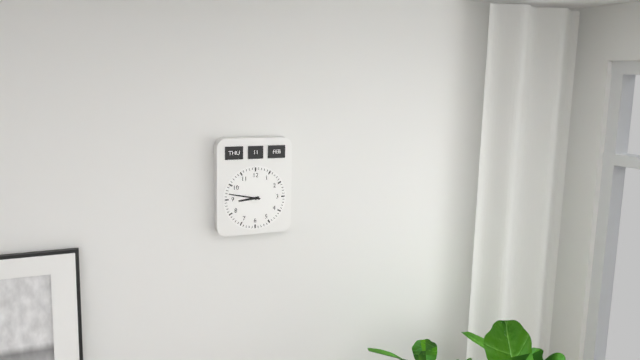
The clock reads 8:47
